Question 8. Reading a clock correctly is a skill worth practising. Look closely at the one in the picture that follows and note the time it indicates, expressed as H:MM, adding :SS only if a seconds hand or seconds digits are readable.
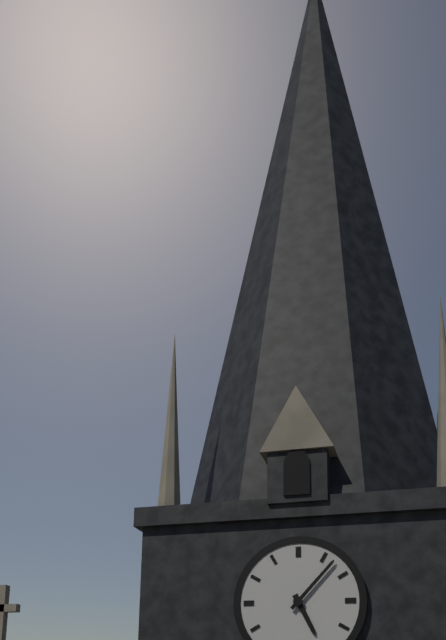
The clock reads 5:07
